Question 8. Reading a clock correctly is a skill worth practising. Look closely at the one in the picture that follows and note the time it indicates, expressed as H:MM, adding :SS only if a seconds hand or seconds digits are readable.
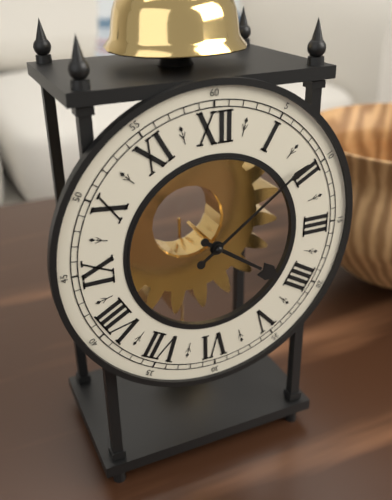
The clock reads 4:09
